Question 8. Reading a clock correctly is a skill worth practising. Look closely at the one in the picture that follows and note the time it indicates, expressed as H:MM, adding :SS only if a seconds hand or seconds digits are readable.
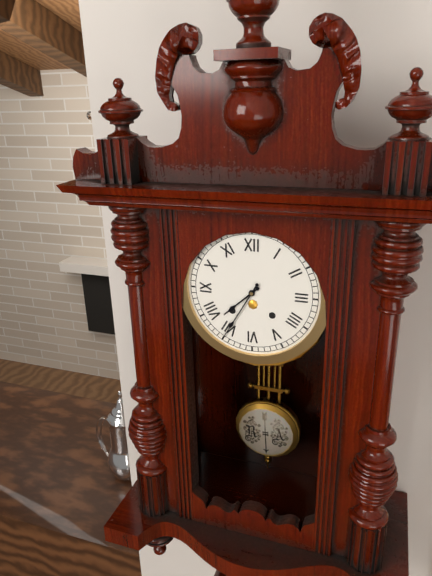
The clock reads 7:35
